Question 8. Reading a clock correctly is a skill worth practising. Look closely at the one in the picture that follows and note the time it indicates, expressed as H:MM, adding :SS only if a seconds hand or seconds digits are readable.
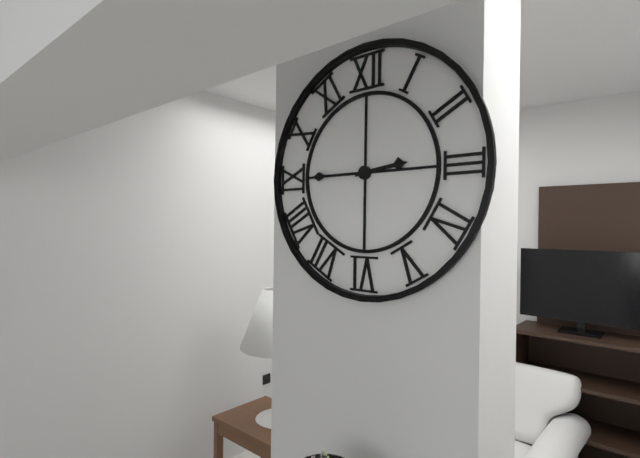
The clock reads 2:45
